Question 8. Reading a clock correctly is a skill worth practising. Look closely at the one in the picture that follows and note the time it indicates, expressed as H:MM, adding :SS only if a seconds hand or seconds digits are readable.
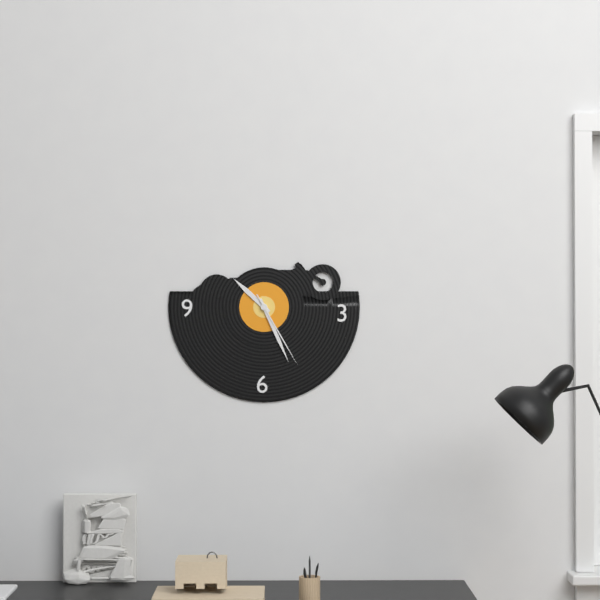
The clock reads 10:26:25
